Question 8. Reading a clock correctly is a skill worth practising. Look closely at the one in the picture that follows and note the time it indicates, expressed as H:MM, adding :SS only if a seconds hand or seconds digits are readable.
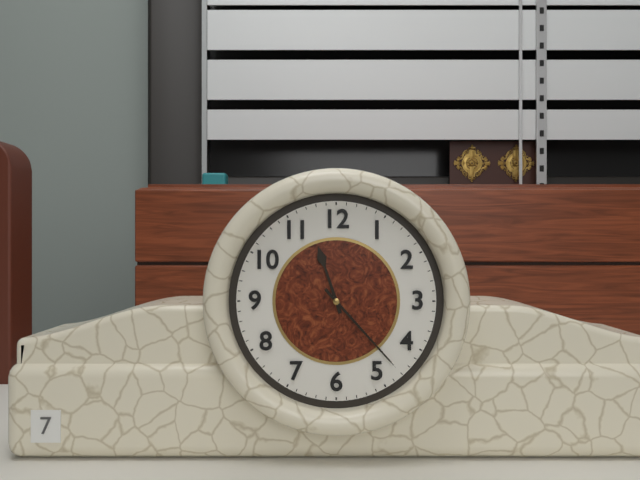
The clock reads 11:23
